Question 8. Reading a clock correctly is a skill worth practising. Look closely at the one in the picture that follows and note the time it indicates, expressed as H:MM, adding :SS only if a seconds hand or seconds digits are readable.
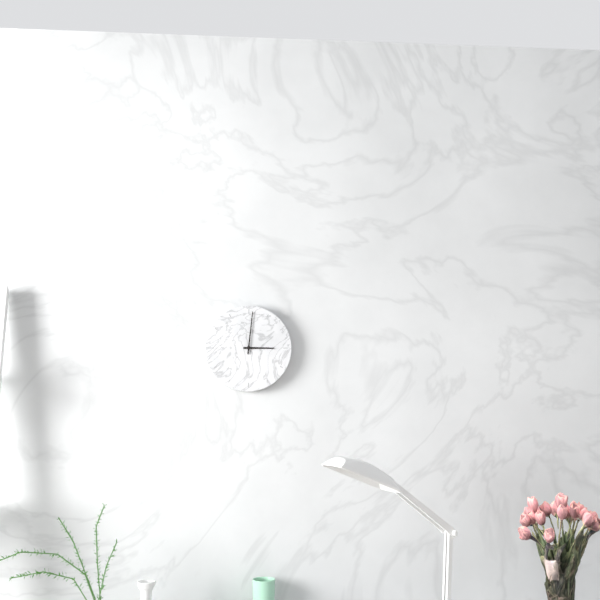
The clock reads 3:01
